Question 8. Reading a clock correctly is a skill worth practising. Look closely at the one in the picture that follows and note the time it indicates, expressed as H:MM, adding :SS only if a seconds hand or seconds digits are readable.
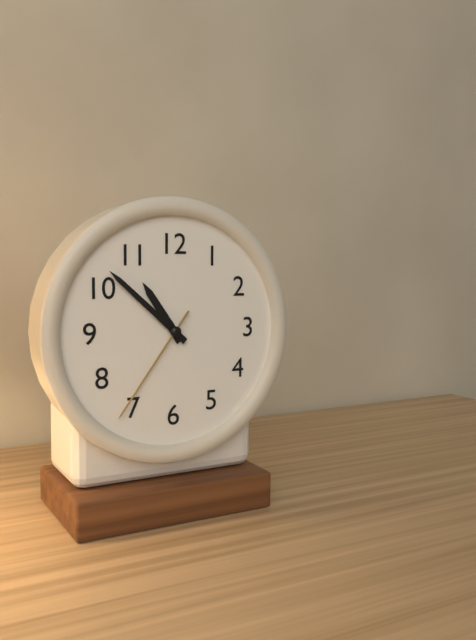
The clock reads 10:52:36
